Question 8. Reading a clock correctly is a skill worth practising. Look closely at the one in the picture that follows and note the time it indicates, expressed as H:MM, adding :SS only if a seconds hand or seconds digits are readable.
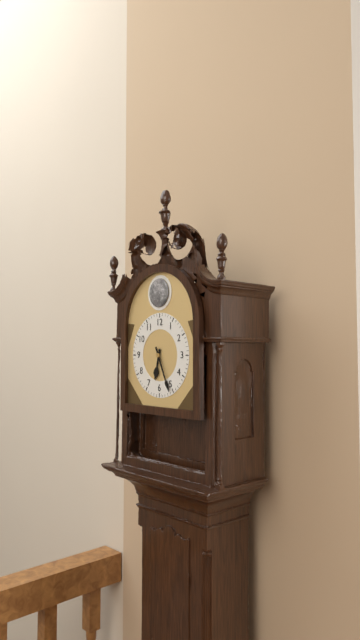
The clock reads 6:26
